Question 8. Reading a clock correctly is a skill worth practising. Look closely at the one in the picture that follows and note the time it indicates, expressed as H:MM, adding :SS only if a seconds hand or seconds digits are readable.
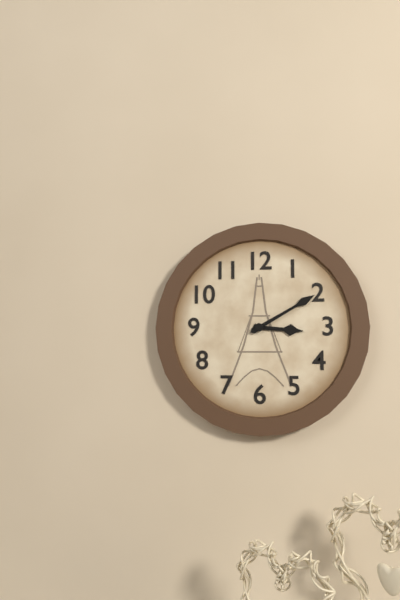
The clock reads 3:10
